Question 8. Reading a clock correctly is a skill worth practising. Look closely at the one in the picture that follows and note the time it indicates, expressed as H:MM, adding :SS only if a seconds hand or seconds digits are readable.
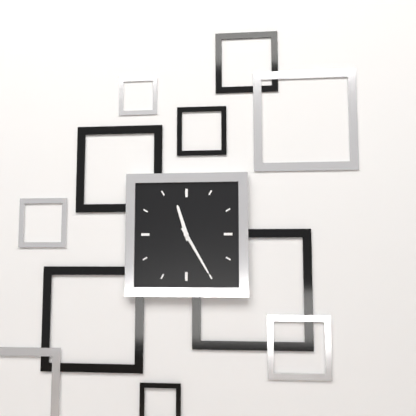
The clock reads 11:25
